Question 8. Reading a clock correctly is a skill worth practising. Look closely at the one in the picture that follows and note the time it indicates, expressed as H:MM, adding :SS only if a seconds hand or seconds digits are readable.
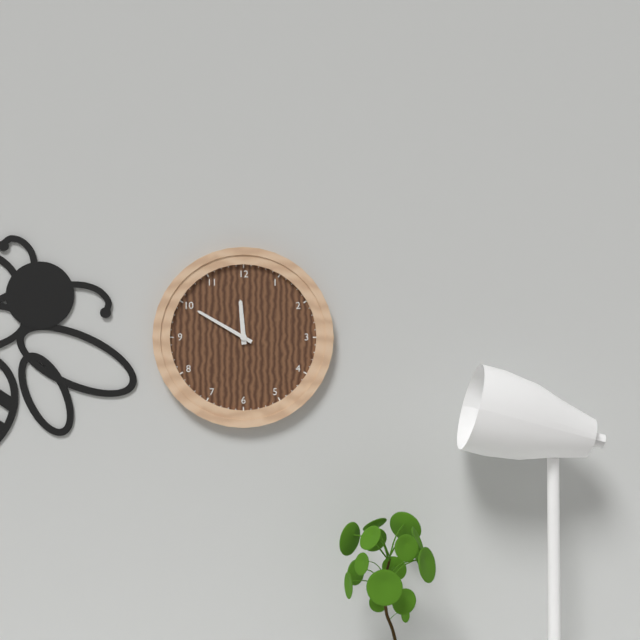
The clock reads 11:50
